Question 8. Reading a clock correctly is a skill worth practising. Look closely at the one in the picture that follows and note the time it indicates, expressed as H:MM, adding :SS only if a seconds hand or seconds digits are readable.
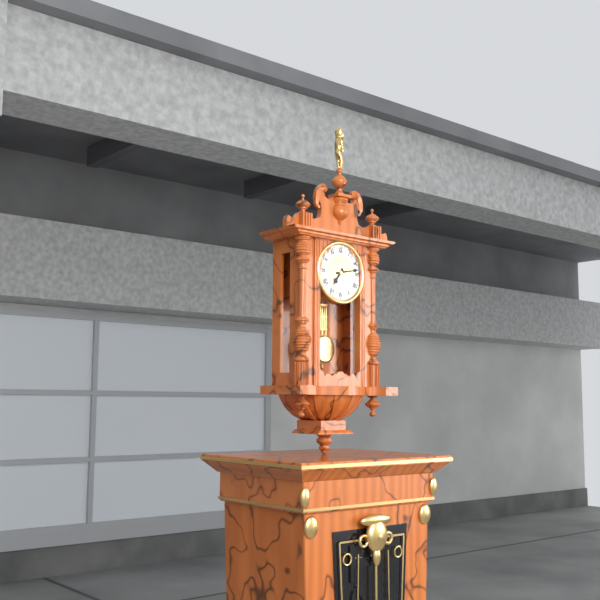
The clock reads 7:13
